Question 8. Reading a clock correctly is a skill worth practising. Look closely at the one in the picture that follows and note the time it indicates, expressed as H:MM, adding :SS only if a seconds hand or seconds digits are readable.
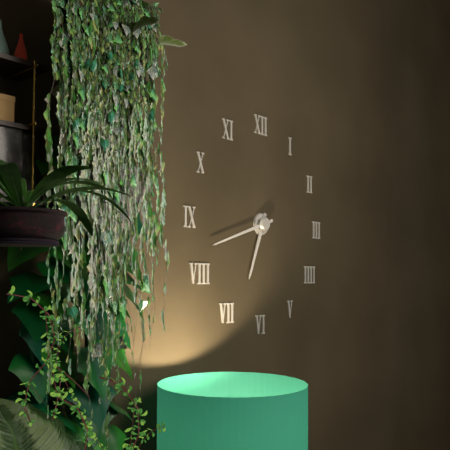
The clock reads 6:42
